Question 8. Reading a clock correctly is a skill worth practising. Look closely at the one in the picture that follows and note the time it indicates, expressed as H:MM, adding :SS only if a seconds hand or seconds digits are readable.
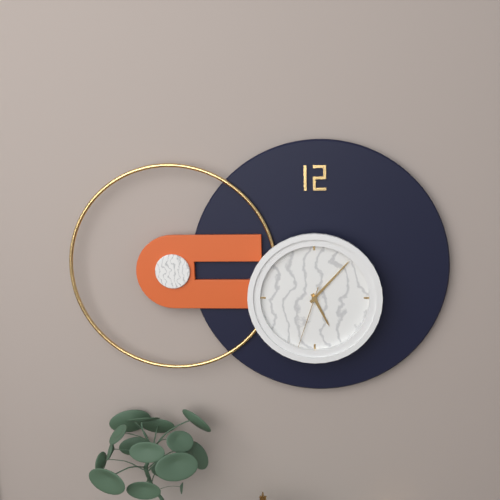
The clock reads 5:07:33
